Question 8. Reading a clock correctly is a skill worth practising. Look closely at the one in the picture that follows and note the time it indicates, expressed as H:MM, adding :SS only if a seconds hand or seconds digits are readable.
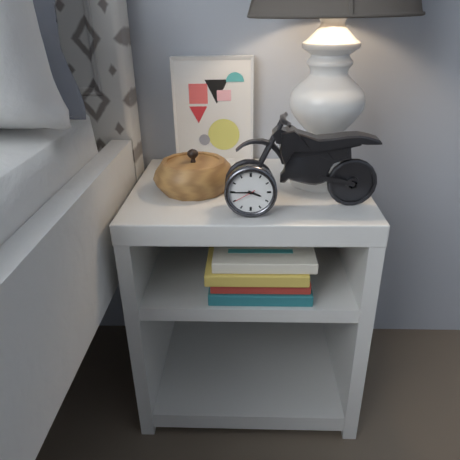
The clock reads 3:45
